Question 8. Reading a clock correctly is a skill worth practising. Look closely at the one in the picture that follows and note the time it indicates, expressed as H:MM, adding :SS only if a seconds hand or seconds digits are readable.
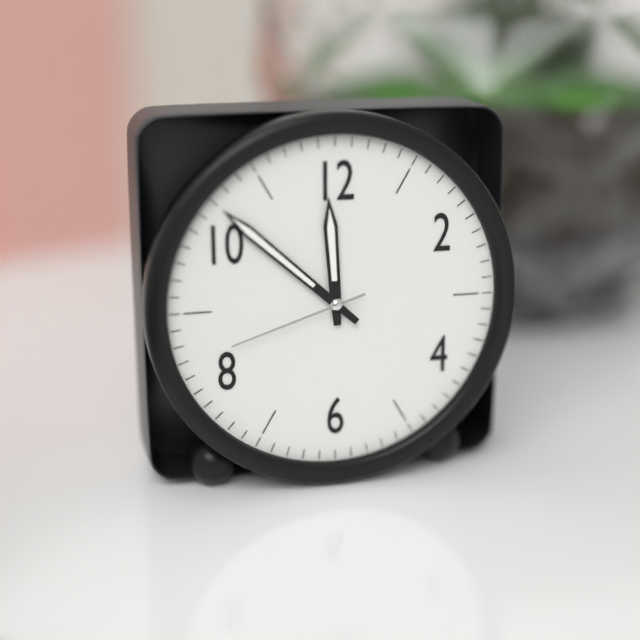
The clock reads 11:52:42
